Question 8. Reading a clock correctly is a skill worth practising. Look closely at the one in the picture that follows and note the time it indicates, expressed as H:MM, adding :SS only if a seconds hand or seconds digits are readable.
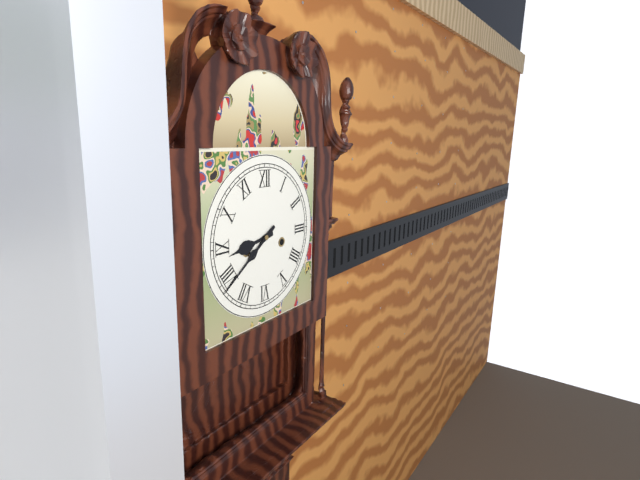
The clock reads 8:39
